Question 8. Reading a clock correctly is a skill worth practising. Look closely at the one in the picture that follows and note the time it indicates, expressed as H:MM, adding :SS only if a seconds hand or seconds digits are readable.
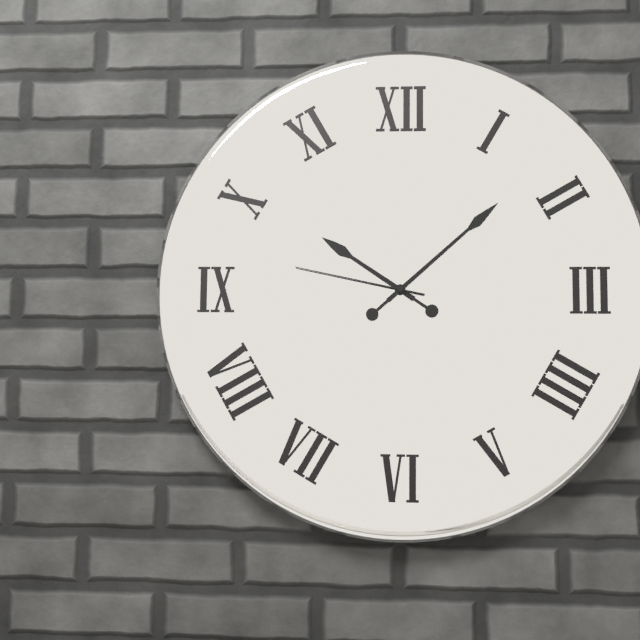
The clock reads 10:08:47
